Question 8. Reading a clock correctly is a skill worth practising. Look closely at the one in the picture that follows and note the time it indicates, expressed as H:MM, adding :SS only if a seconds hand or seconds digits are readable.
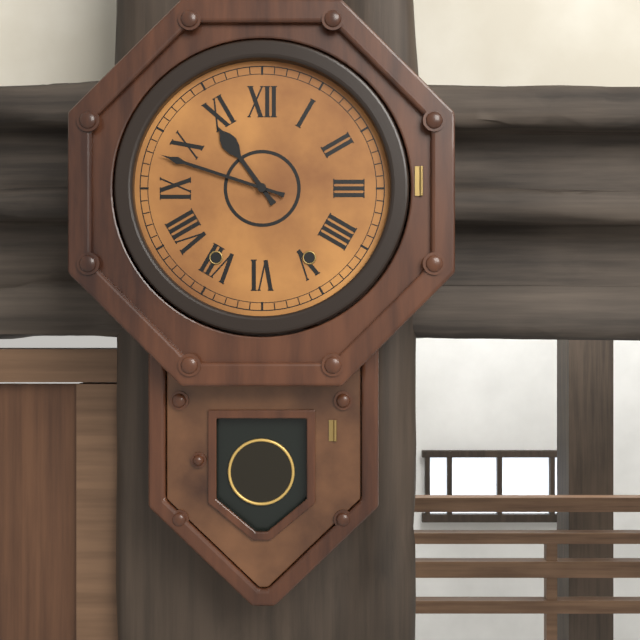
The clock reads 10:48
